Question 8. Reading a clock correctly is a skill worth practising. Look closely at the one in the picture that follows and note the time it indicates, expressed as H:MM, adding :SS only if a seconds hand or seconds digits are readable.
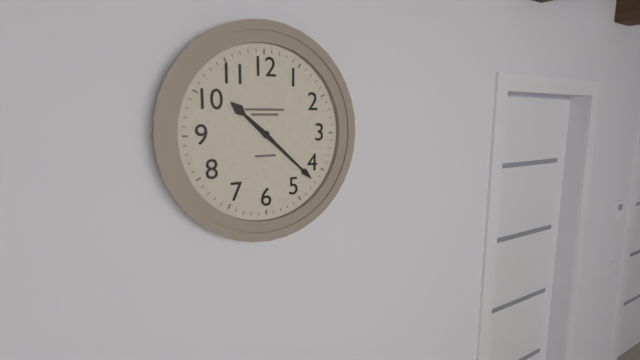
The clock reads 10:22
